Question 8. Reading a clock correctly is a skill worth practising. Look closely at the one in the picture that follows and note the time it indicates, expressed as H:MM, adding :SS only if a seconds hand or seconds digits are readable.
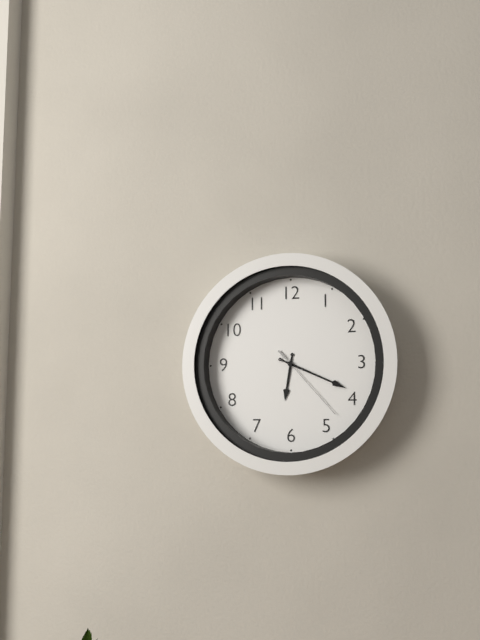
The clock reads 6:19:23
